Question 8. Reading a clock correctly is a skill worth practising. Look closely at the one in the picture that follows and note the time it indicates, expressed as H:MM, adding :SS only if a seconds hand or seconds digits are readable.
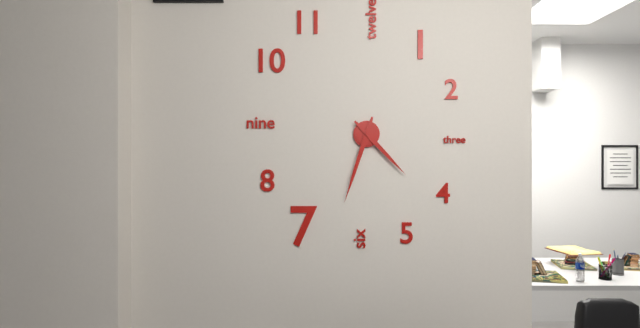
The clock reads 4:33
